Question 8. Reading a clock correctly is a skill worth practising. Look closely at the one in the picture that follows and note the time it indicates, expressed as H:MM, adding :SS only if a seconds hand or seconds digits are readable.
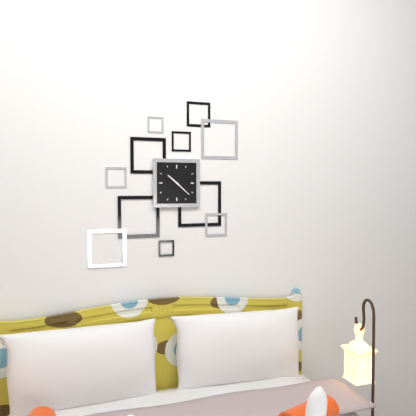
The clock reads 10:22
